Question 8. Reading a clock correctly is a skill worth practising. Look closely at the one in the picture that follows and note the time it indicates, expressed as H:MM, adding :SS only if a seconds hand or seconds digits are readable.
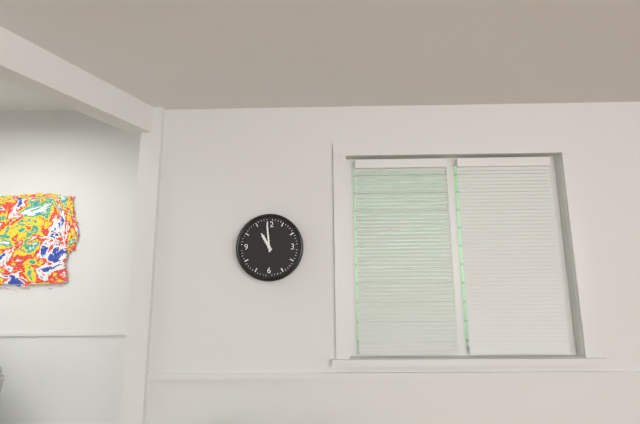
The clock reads 10:59
